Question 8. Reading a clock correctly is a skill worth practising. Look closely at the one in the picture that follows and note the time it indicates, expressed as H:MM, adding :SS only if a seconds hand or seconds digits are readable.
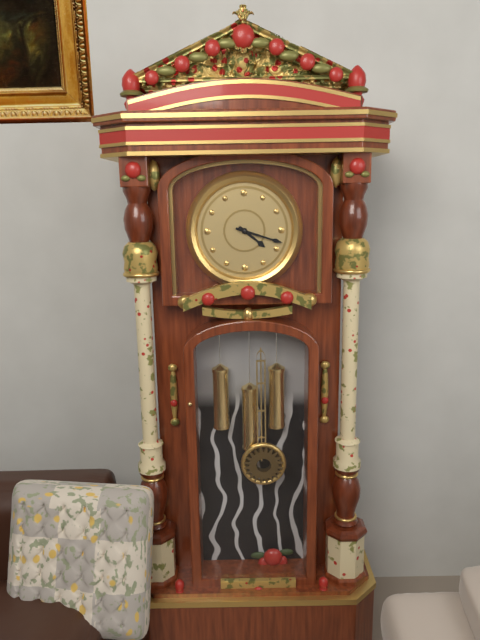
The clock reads 4:18
